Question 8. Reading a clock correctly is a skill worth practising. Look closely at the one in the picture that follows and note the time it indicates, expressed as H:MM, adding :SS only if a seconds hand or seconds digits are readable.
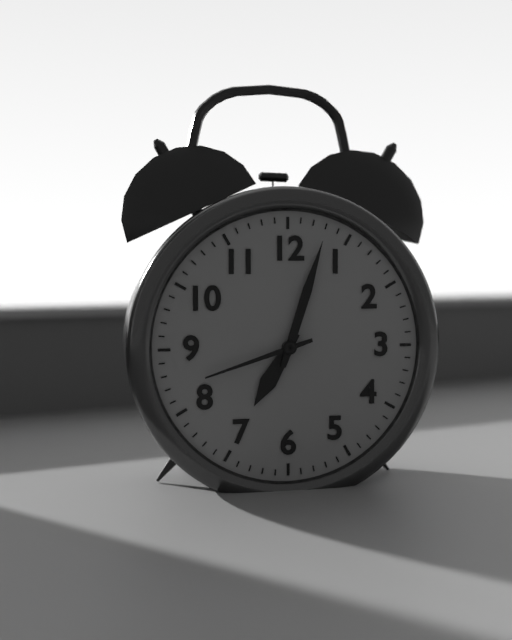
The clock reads 7:03:42
